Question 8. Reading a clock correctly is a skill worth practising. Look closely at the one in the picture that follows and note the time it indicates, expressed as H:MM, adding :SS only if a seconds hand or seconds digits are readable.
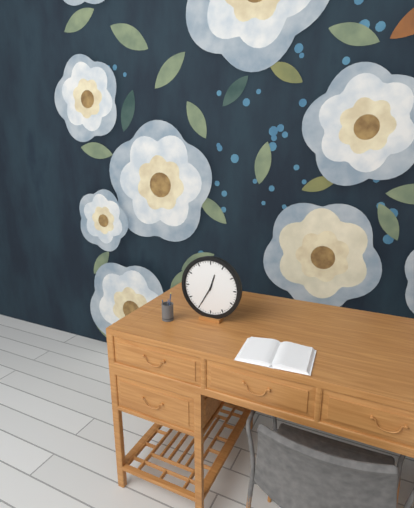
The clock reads 12:35
